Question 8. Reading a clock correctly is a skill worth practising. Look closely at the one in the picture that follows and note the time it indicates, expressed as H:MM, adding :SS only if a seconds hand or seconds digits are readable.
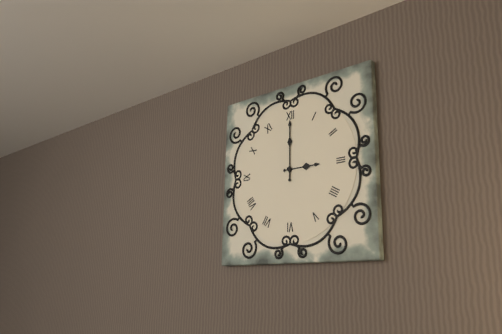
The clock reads 3:00
